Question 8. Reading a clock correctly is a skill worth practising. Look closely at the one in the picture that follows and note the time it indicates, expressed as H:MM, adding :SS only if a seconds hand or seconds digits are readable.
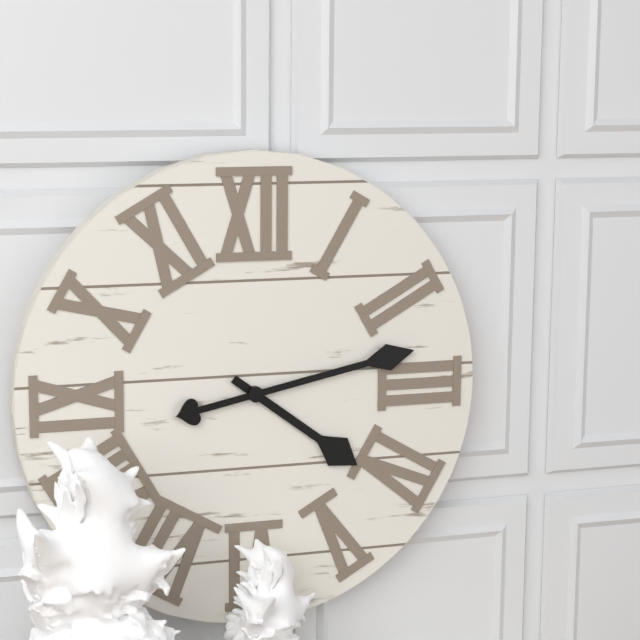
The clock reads 4:13
